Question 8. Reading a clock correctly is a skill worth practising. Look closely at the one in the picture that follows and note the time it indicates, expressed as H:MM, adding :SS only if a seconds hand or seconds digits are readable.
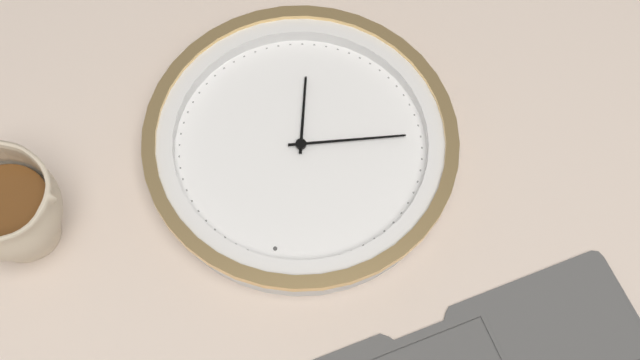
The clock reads 5:42
